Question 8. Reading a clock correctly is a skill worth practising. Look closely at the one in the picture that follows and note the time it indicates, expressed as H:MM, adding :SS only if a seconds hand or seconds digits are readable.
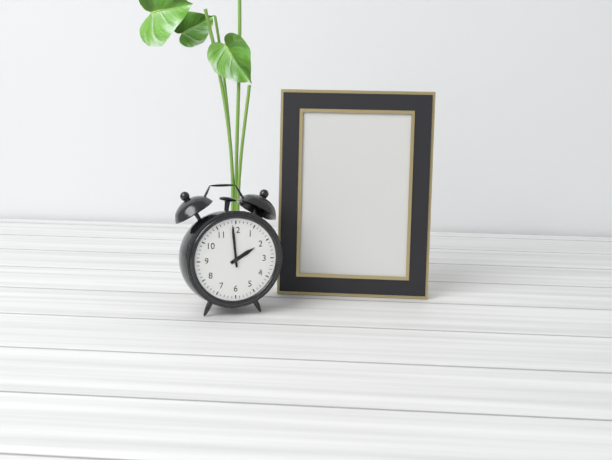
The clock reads 1:59
